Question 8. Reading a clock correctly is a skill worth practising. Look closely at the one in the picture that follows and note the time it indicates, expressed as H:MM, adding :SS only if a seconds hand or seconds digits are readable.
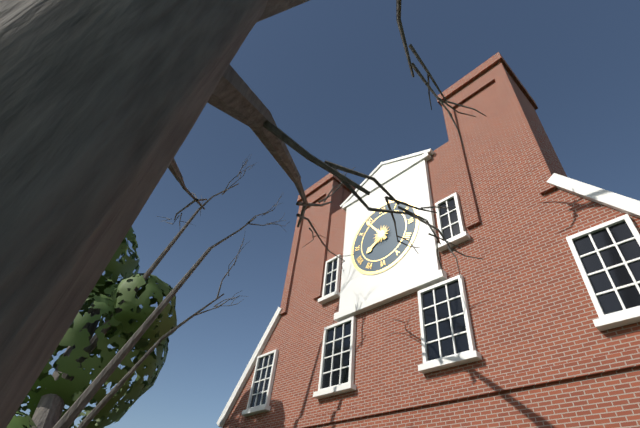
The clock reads 7:54
